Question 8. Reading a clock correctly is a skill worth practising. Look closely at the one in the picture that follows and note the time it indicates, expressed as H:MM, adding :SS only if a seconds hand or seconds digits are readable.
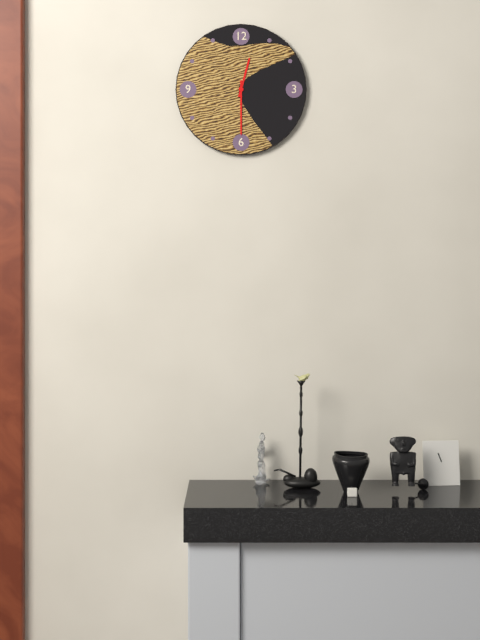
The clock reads 12:30
